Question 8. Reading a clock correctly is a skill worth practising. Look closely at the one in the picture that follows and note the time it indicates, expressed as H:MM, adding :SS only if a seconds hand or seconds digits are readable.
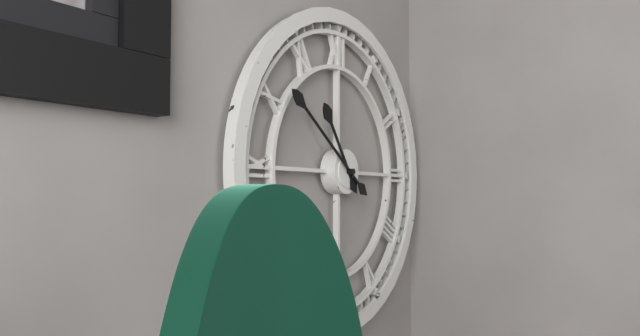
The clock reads 10:51
